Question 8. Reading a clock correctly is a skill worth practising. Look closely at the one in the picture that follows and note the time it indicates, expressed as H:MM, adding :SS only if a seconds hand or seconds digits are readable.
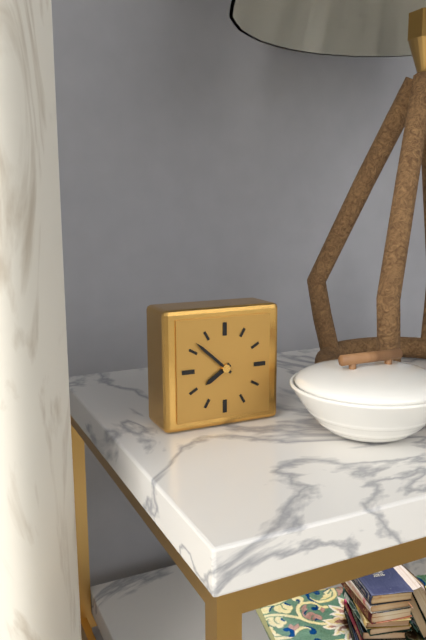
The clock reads 7:52
